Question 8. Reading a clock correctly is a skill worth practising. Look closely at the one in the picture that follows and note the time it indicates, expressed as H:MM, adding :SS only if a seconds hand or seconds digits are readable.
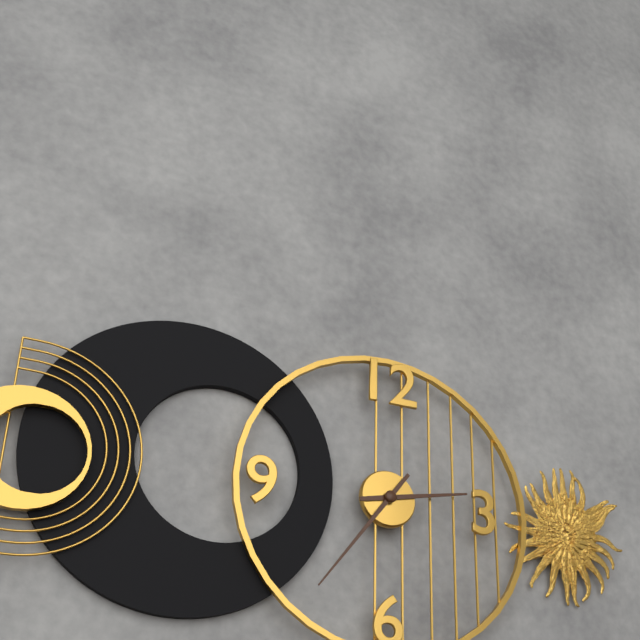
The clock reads 2:36
